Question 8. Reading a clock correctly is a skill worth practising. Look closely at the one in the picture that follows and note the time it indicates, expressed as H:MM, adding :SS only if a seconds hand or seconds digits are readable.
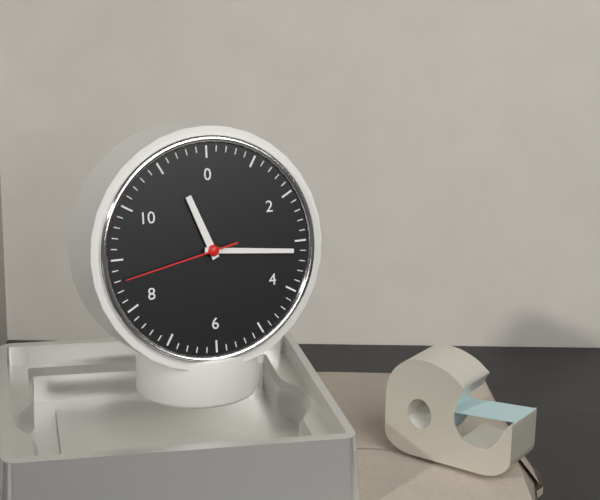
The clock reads 11:16:43
